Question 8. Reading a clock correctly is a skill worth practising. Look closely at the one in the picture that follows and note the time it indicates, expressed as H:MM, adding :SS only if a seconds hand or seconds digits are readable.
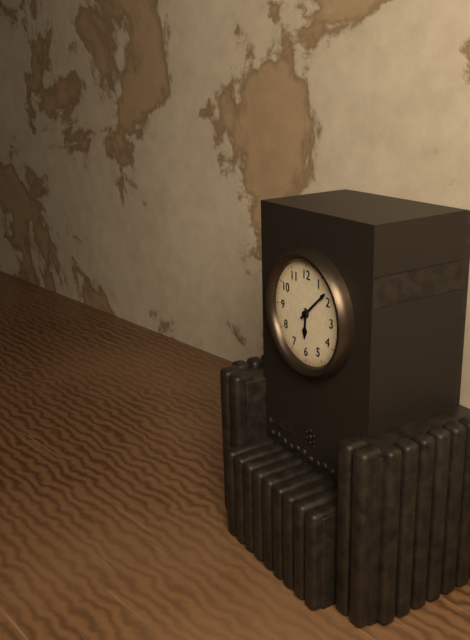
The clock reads 6:08
